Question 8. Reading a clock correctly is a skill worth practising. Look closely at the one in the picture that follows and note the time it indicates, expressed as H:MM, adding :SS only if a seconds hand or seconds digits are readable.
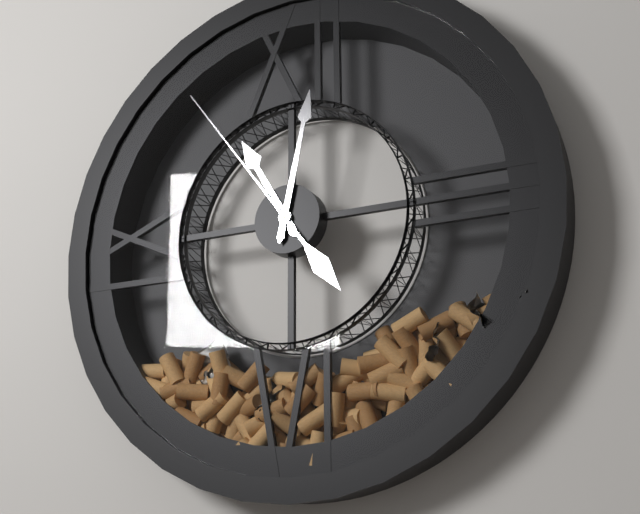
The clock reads 11:02:54
